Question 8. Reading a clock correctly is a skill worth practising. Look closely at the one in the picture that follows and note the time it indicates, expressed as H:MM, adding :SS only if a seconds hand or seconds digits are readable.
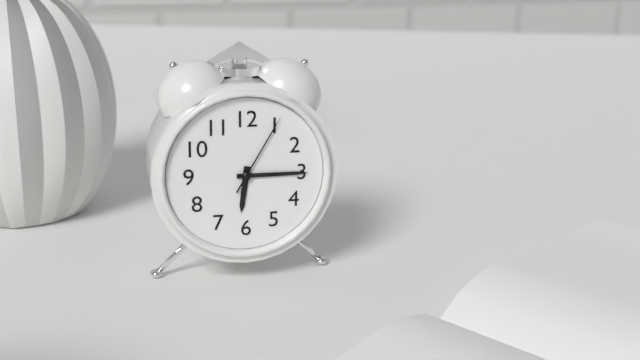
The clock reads 6:15:05
